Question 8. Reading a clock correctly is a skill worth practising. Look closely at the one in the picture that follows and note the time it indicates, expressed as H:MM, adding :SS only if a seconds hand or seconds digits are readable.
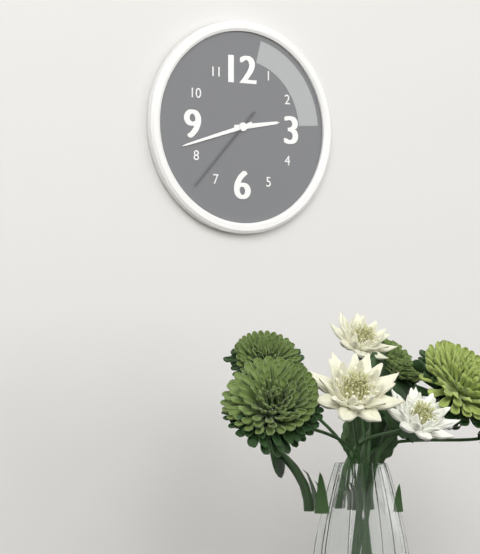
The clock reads 2:42:37
